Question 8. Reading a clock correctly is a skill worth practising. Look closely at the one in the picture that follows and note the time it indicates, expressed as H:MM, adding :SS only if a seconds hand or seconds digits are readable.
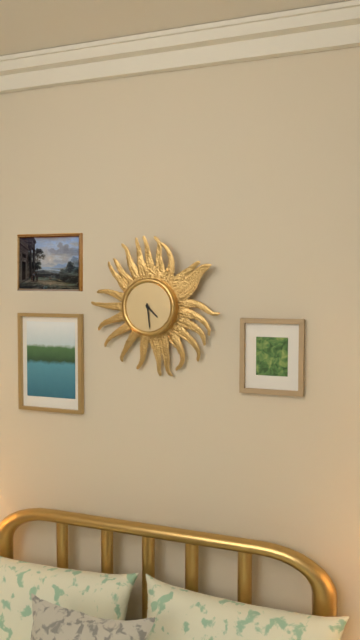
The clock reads 4:29
